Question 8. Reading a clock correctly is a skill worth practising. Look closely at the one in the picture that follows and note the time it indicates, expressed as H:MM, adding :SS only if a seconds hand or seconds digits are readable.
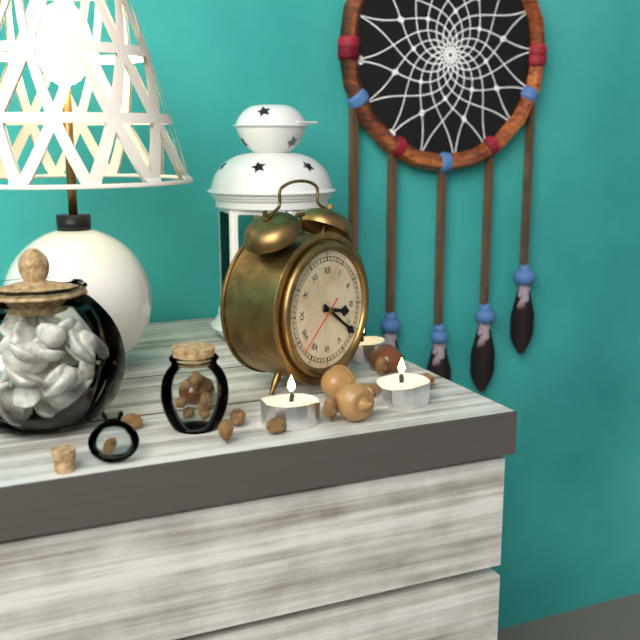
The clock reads 3:21:38
